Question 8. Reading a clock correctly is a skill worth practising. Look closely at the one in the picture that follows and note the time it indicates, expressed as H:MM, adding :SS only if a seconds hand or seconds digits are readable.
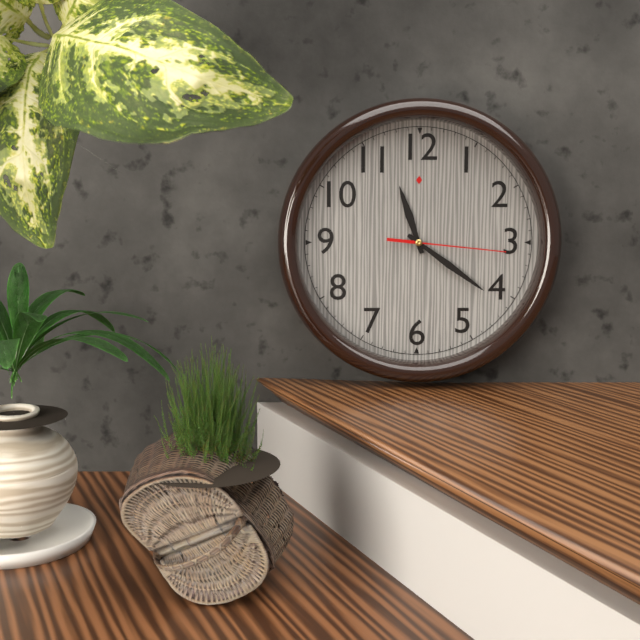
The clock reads 11:21:16
